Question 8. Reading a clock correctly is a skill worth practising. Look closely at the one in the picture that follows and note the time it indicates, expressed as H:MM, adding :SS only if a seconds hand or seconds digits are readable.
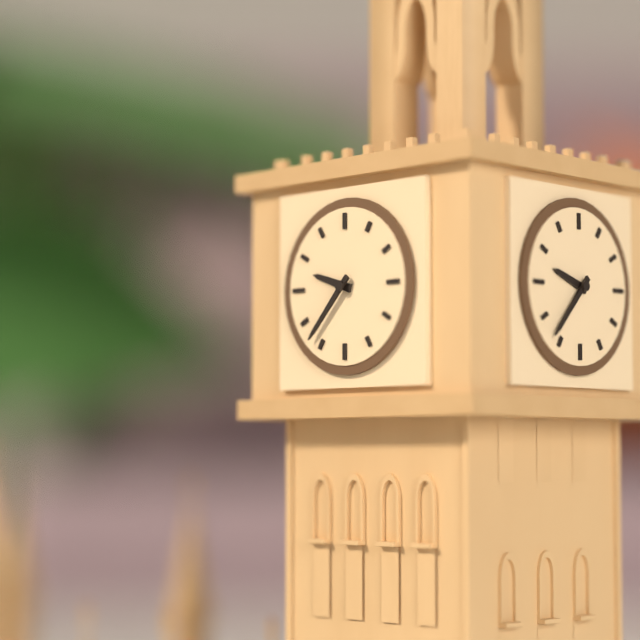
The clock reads 9:37
